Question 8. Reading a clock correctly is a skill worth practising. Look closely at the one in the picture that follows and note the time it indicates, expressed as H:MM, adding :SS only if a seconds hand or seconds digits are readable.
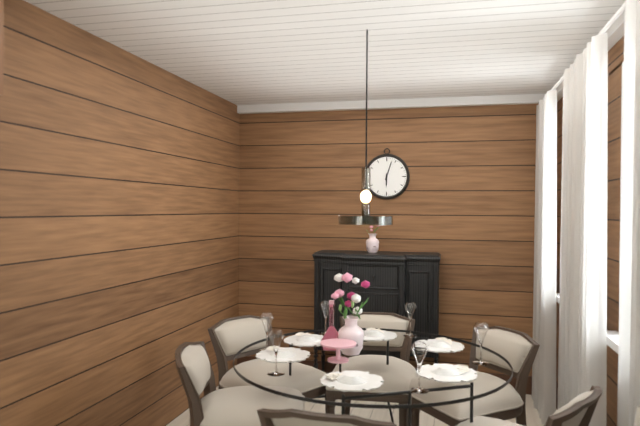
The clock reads 6:03
